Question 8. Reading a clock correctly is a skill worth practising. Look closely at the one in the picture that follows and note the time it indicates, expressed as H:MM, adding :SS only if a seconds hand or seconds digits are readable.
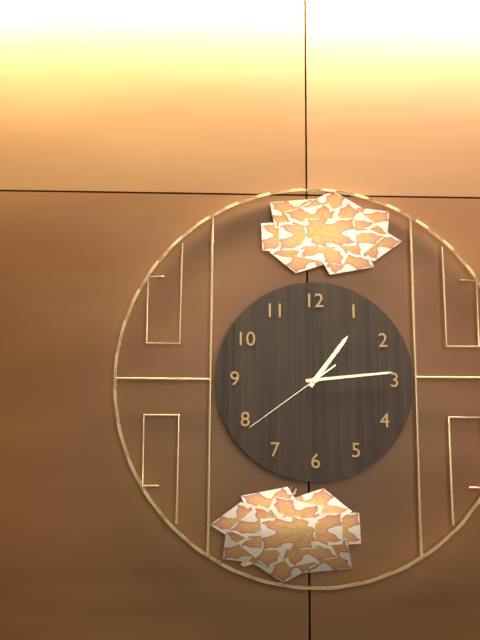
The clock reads 1:14:39
